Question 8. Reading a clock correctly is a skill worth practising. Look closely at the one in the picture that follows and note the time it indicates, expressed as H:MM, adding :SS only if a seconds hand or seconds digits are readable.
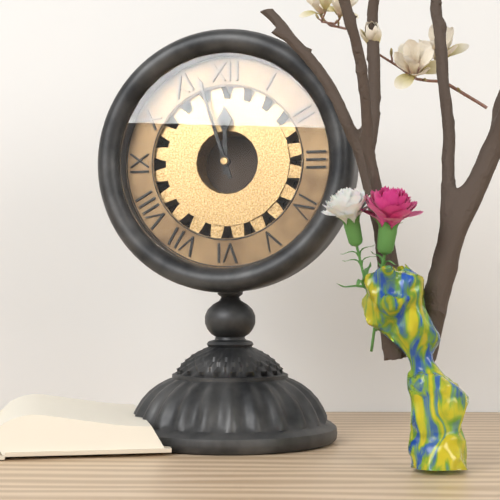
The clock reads 11:57
